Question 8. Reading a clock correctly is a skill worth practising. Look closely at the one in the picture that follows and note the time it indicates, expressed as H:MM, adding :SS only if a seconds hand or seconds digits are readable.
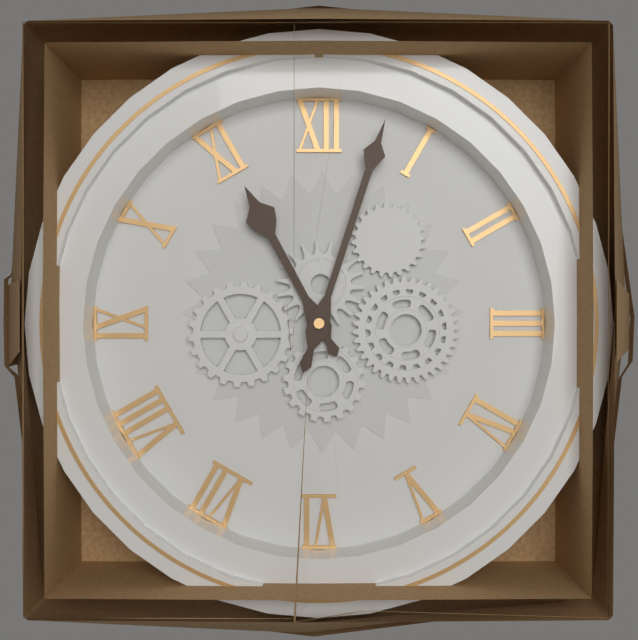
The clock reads 11:03
